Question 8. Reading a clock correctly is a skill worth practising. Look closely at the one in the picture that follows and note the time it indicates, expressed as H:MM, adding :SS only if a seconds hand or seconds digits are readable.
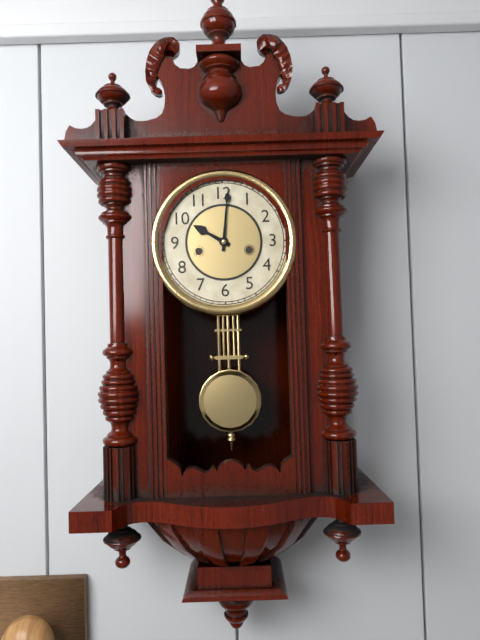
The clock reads 10:01
